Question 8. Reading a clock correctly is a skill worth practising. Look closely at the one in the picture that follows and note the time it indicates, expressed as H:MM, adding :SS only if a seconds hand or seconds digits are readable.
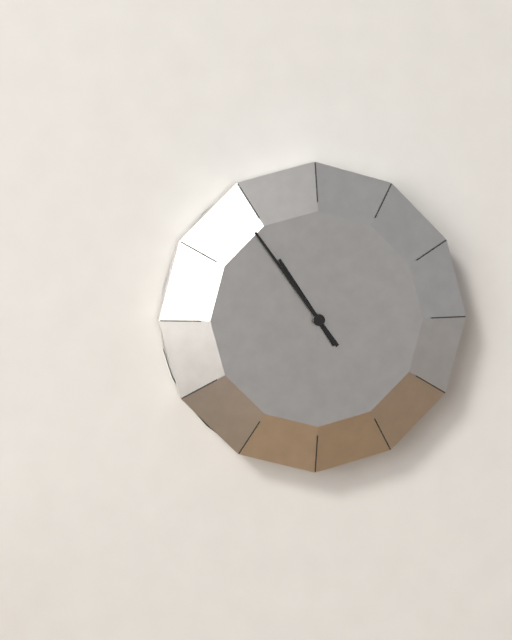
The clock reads 10:54
